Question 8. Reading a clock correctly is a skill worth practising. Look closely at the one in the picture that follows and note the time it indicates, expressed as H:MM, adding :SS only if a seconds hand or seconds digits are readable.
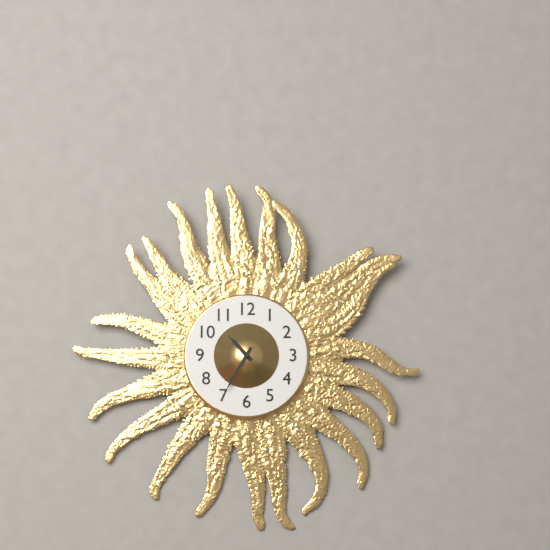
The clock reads 10:35
